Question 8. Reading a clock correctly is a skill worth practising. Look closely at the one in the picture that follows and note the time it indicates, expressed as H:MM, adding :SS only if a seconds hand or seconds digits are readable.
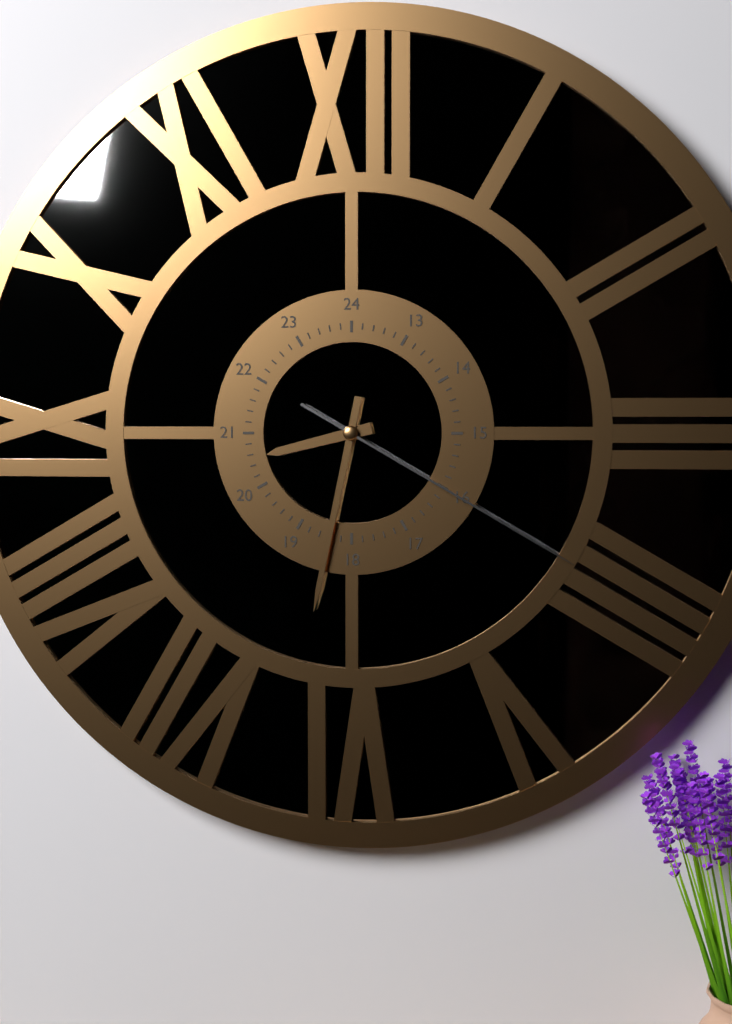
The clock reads 8:32:20
